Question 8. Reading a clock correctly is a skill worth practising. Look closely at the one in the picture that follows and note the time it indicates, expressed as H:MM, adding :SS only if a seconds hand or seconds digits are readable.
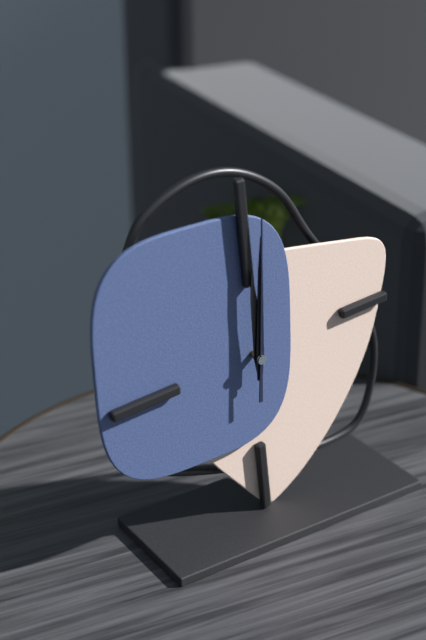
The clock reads 12:01:01
